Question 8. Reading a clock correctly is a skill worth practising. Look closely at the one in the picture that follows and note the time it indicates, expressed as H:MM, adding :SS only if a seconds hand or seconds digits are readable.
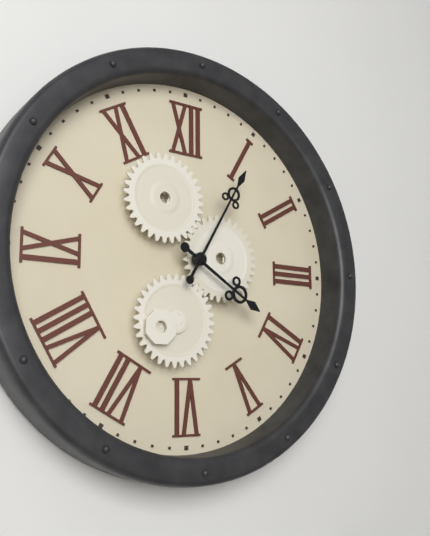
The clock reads 4:05
